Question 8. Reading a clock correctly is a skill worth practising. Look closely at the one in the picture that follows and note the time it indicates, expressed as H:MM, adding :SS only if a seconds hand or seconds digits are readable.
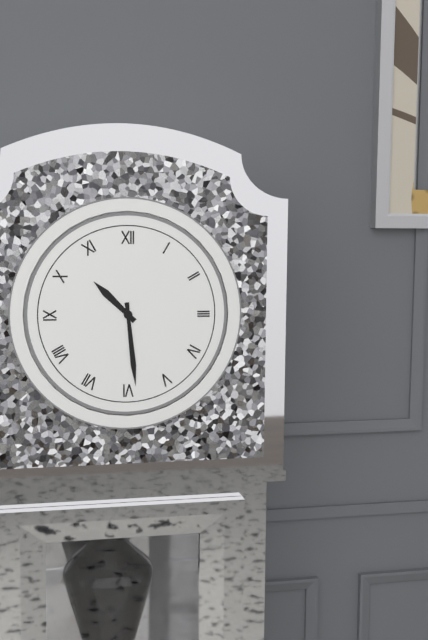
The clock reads 10:29
